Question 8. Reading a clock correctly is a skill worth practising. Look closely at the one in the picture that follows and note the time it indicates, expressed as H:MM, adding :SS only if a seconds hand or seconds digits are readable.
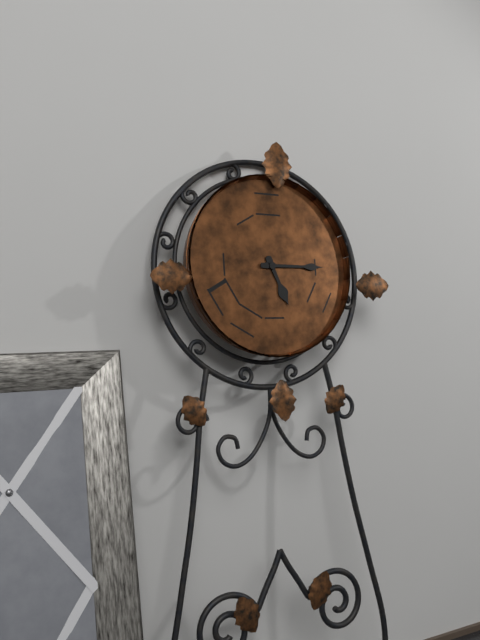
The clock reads 5:15
